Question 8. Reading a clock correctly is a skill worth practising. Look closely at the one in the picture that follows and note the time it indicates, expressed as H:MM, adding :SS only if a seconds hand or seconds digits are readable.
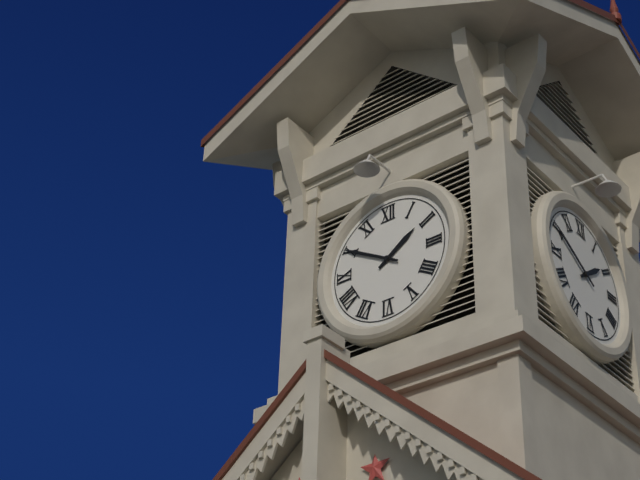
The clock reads 1:50
